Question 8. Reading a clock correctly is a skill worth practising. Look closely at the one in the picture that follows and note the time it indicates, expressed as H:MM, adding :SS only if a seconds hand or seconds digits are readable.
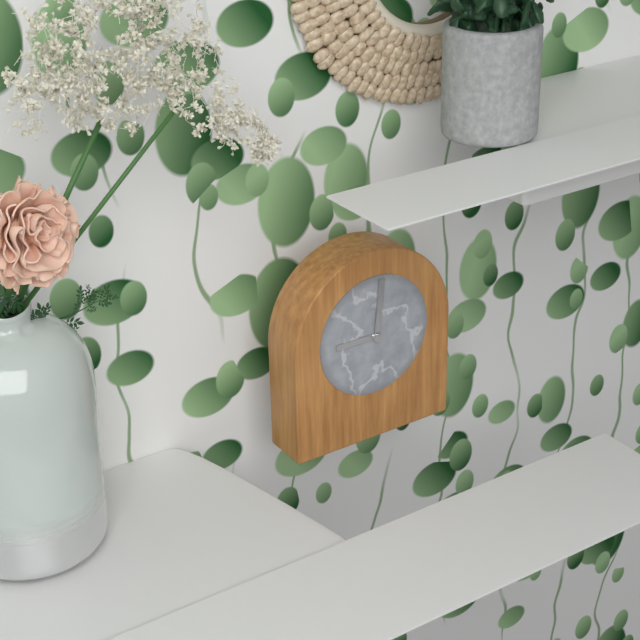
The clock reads 9:01
